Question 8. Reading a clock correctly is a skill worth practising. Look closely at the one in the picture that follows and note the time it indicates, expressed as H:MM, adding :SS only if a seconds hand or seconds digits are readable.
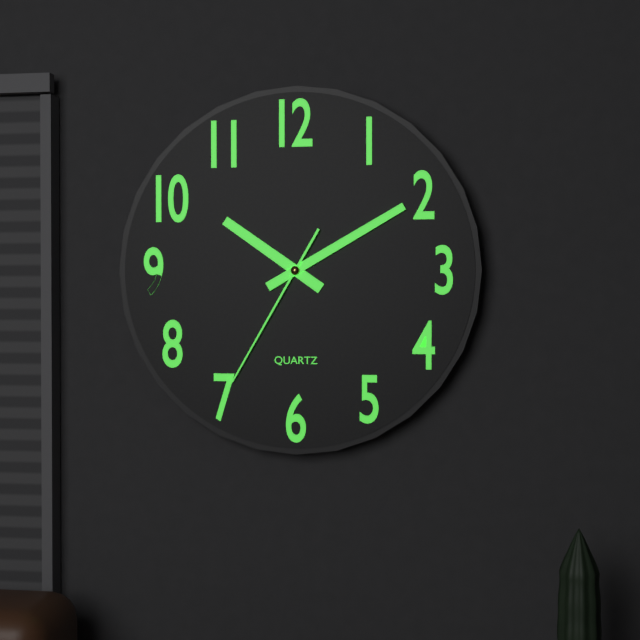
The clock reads 10:10:35
